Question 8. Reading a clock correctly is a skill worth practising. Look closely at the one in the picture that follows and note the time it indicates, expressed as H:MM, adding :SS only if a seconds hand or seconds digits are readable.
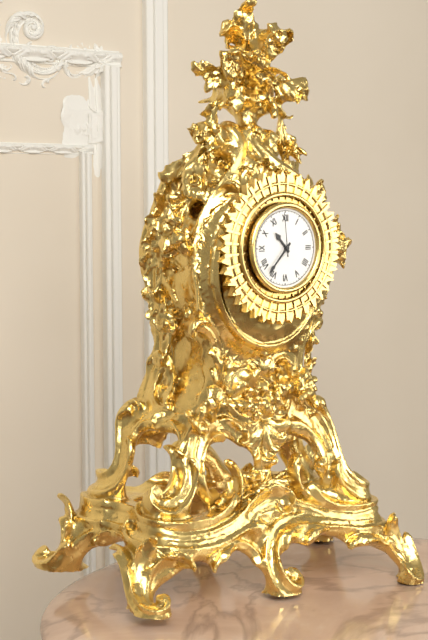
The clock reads 10:37
